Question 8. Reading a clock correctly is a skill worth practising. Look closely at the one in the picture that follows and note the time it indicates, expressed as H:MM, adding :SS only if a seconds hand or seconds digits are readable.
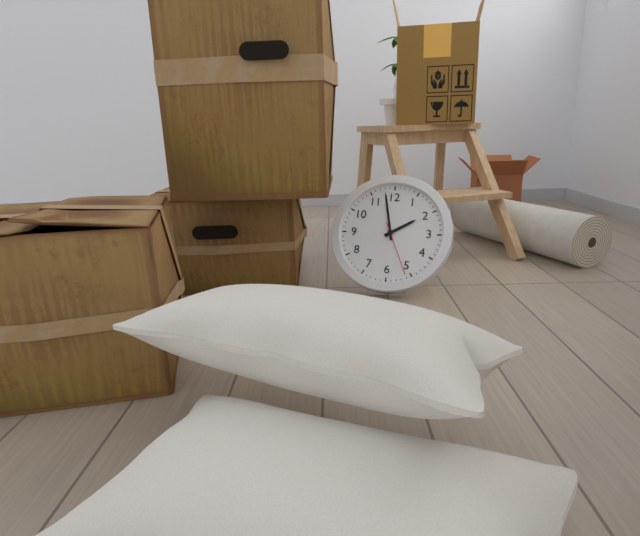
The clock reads 1:58:26
